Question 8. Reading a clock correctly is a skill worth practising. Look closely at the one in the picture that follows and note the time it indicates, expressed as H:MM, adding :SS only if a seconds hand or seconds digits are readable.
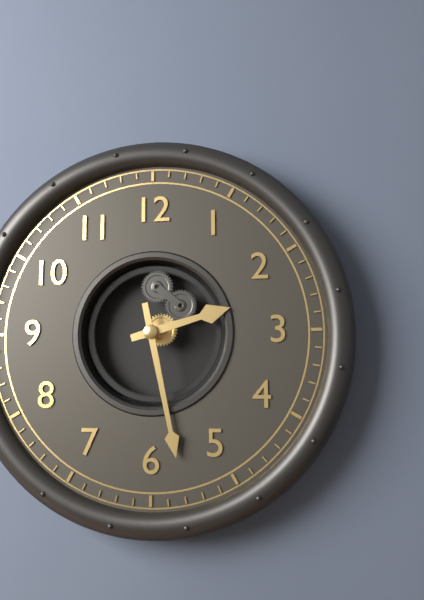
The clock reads 2:28
